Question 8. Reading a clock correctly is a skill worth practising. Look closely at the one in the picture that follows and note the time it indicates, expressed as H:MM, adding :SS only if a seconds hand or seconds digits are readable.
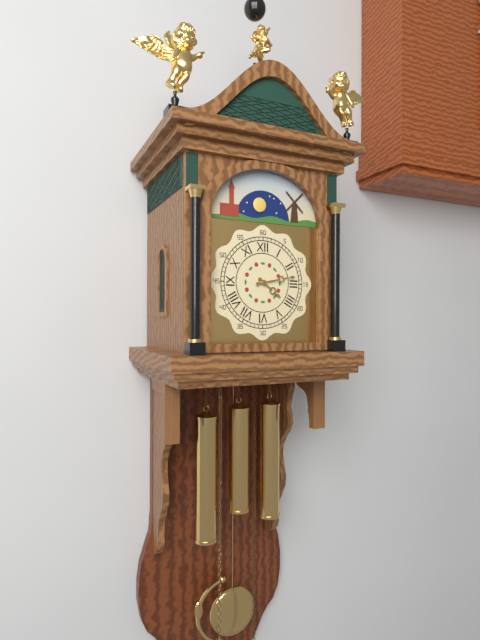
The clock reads 4:13
